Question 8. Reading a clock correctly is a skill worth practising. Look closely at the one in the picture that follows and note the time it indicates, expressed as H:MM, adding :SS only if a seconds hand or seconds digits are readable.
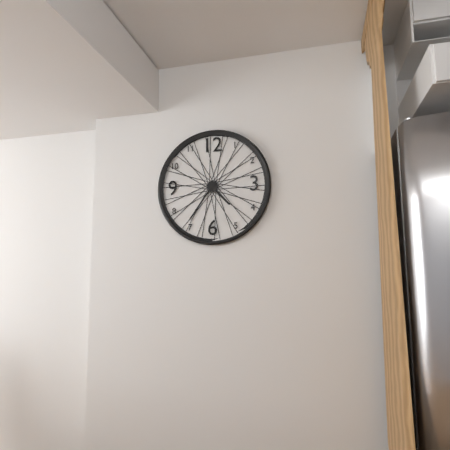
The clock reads 4:36
